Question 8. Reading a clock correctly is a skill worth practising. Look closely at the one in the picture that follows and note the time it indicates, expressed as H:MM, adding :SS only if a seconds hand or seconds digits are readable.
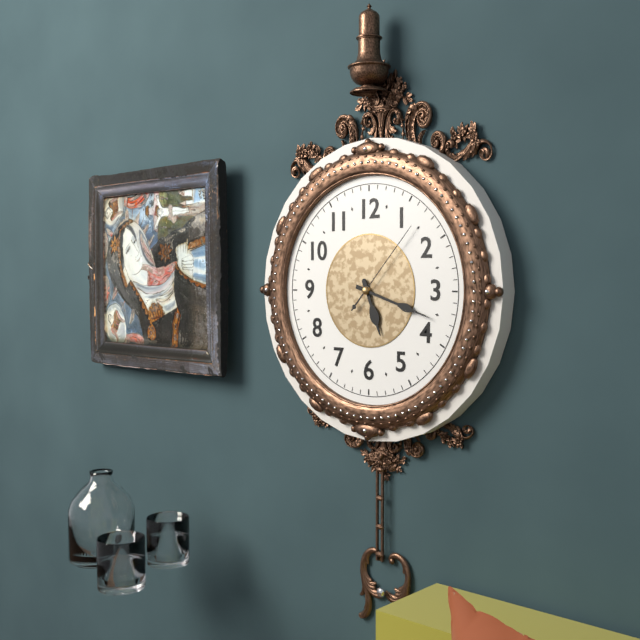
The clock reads 5:18:07
